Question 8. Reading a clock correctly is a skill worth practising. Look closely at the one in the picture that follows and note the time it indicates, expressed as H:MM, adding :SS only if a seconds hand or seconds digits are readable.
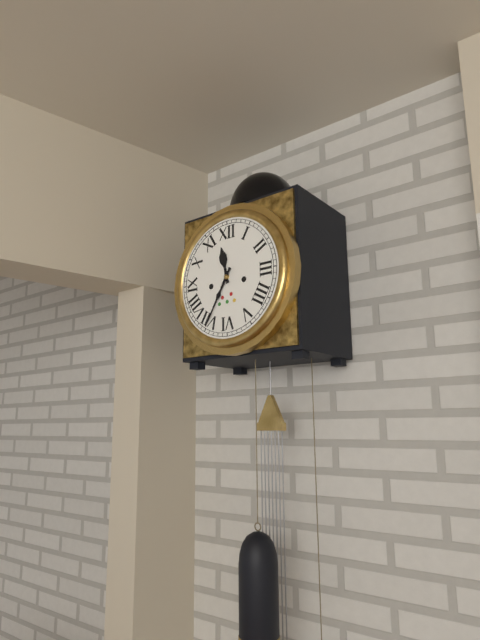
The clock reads 11:35
